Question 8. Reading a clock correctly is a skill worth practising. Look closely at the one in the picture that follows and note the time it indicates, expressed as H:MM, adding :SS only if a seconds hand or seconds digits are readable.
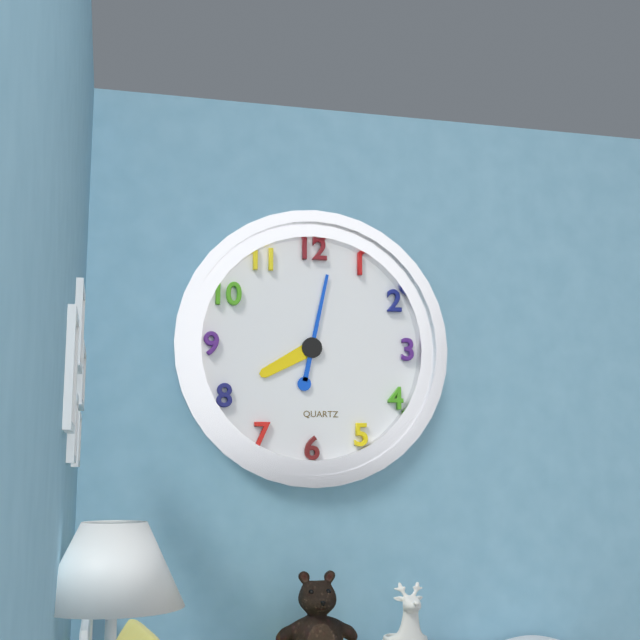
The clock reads 8:02
